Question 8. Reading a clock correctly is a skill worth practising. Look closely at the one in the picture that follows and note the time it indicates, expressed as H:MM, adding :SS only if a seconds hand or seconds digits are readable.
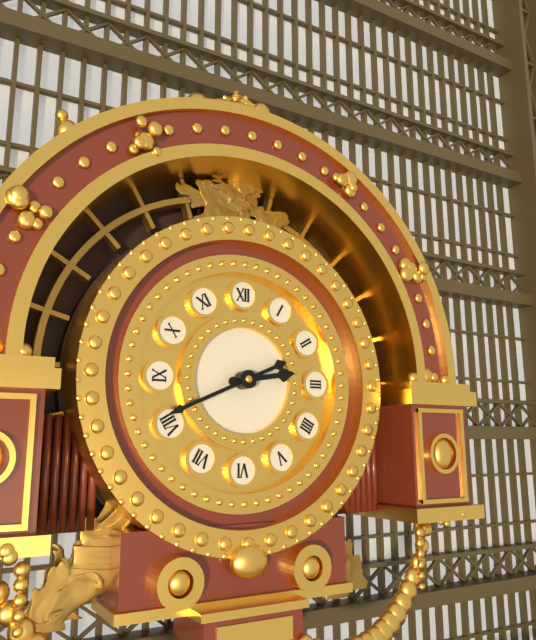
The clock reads 2:41
